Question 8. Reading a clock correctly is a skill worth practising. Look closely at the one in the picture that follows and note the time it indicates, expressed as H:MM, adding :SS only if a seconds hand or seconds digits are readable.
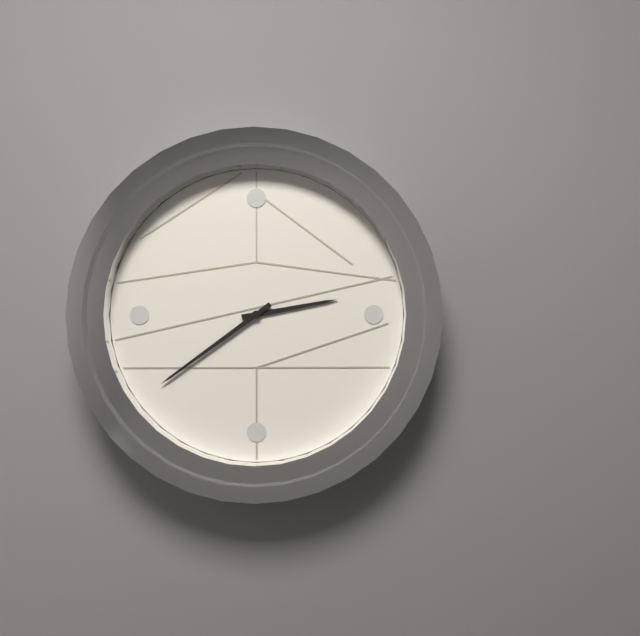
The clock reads 2:39
